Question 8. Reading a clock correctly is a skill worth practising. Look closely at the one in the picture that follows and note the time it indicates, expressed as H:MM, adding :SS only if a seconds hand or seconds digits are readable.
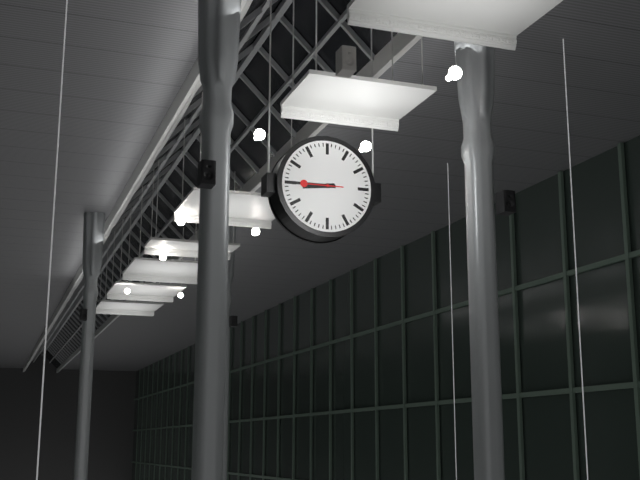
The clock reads 8:45
